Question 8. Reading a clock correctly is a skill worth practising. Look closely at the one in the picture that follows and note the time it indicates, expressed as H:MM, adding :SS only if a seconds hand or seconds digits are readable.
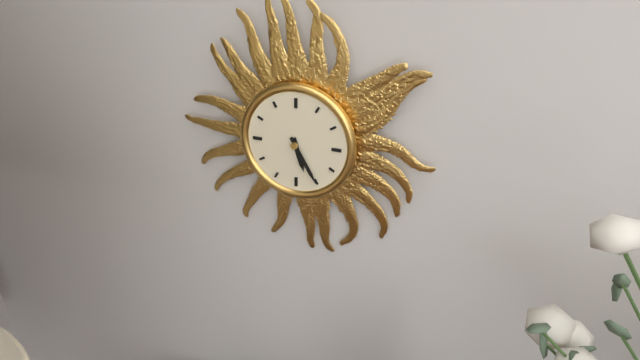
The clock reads 5:25
